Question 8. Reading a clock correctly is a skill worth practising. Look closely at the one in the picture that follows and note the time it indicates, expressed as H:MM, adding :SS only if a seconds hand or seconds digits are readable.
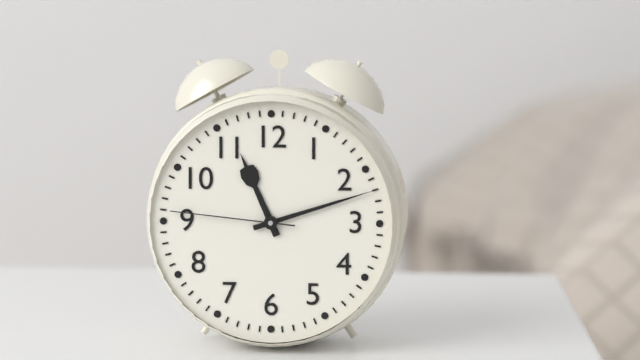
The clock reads 11:12:46
